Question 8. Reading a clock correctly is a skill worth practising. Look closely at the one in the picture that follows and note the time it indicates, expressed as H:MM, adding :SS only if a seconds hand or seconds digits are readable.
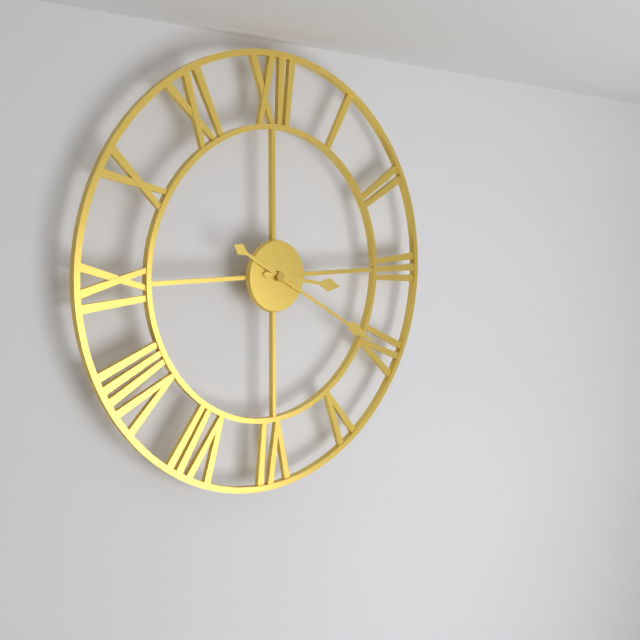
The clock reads 3:20
